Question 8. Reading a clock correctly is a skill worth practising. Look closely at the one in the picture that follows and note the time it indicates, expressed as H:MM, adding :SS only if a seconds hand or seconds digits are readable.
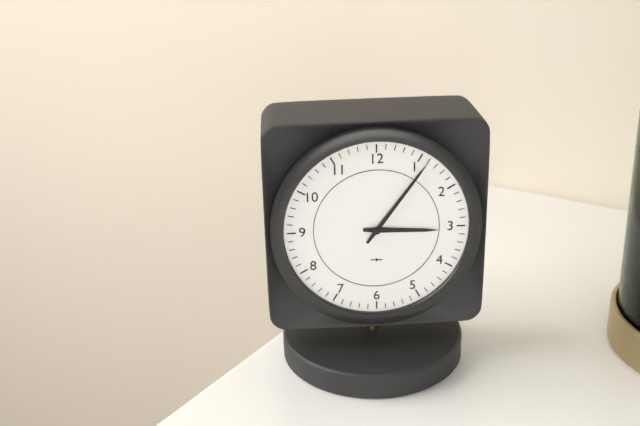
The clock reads 3:06
